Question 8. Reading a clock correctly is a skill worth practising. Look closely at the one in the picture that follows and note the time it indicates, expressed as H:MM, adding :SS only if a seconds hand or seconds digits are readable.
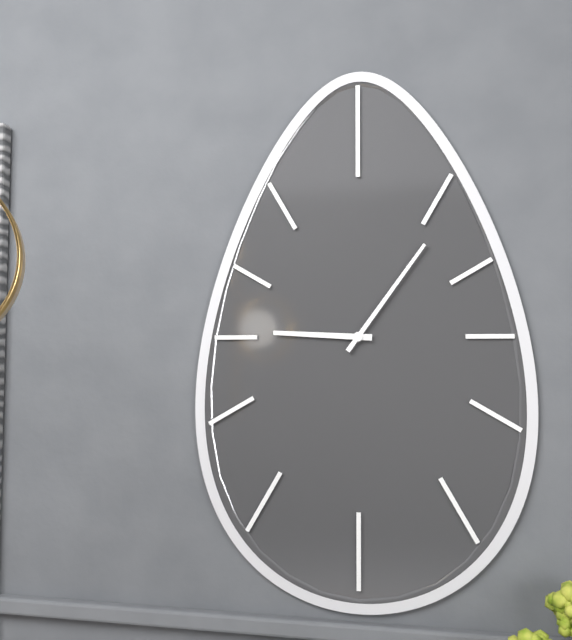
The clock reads 9:06
